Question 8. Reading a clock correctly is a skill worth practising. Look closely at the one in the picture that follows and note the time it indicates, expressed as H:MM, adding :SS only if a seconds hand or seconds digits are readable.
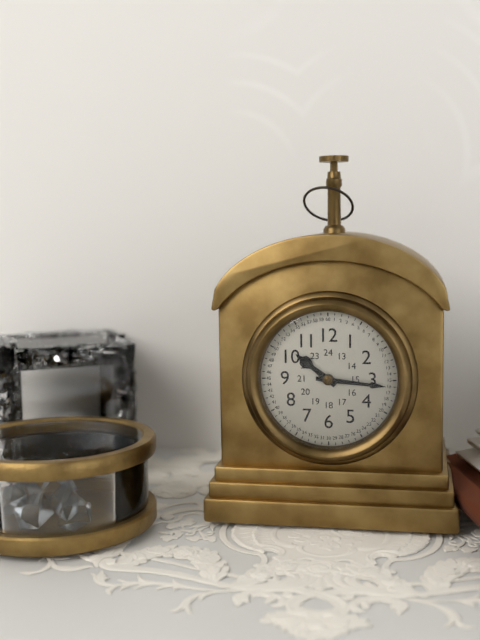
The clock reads 10:16
